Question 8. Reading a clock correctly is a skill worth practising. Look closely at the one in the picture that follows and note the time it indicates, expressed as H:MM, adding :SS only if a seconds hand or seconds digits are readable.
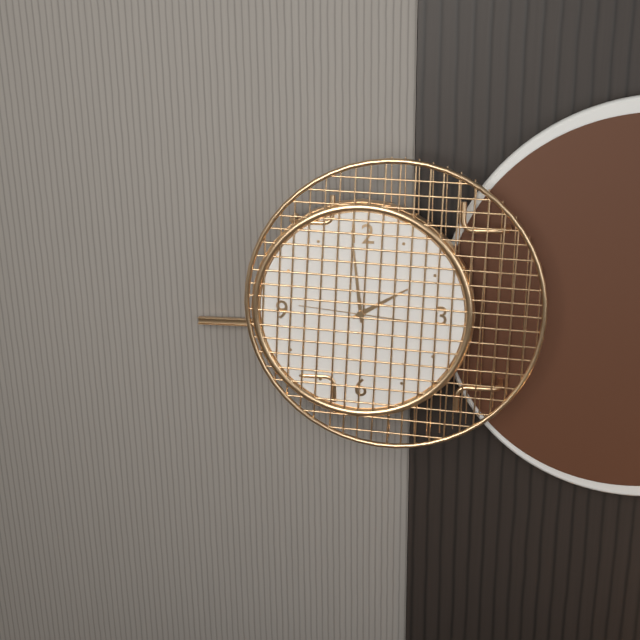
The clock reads 1:59
